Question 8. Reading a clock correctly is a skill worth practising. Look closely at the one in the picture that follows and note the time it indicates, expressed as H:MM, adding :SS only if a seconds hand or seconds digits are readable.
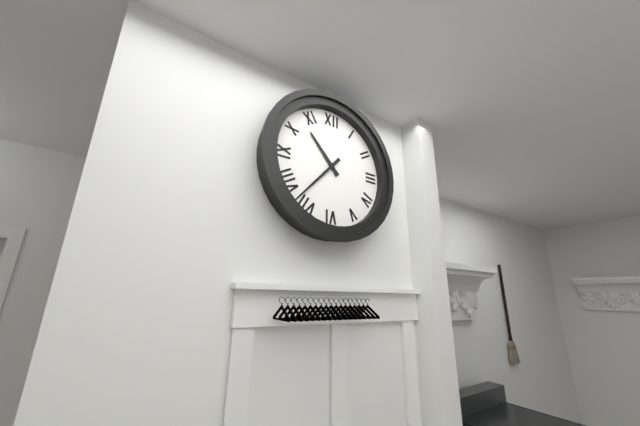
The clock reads 10:37
